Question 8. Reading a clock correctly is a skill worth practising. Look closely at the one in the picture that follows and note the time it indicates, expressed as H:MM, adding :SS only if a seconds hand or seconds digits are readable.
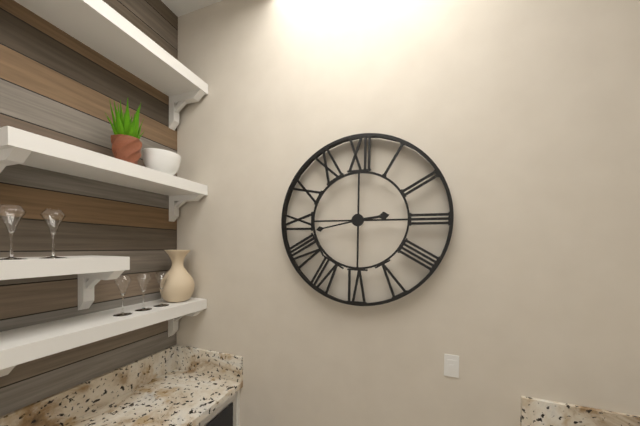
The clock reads 2:43
